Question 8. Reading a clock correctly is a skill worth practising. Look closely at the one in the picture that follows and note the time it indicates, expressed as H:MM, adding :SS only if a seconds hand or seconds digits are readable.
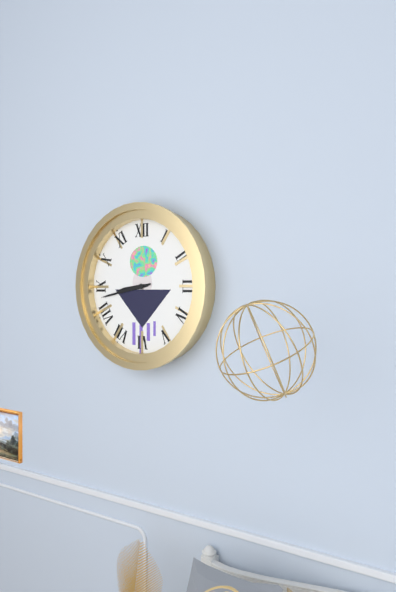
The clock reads 8:43
